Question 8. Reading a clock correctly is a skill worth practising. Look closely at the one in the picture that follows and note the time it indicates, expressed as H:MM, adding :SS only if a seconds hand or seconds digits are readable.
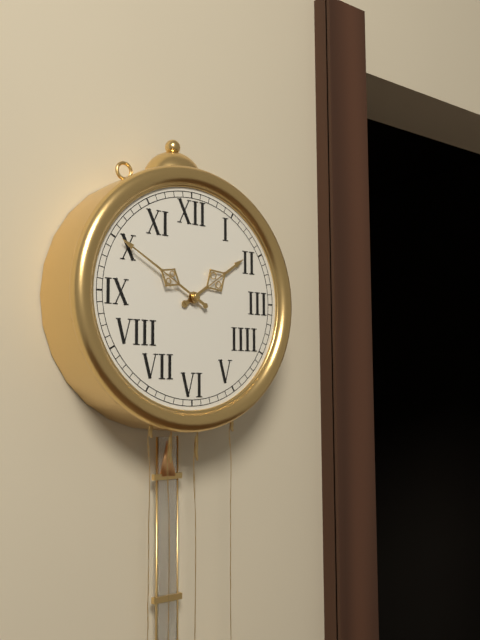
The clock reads 1:50
